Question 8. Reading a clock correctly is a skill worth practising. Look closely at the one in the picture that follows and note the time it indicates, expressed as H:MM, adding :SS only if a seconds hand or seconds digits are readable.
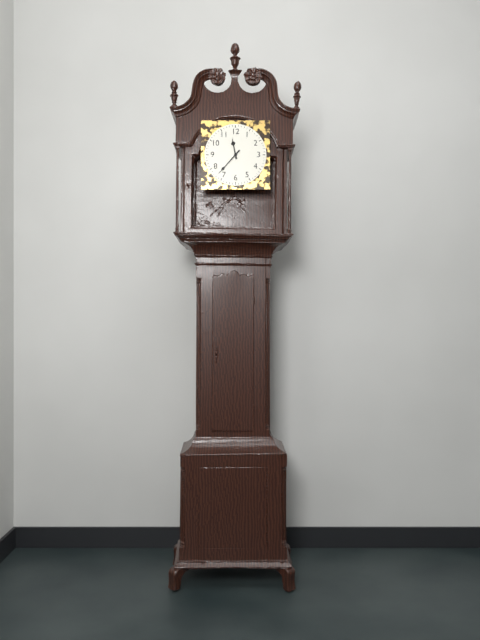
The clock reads 11:37
